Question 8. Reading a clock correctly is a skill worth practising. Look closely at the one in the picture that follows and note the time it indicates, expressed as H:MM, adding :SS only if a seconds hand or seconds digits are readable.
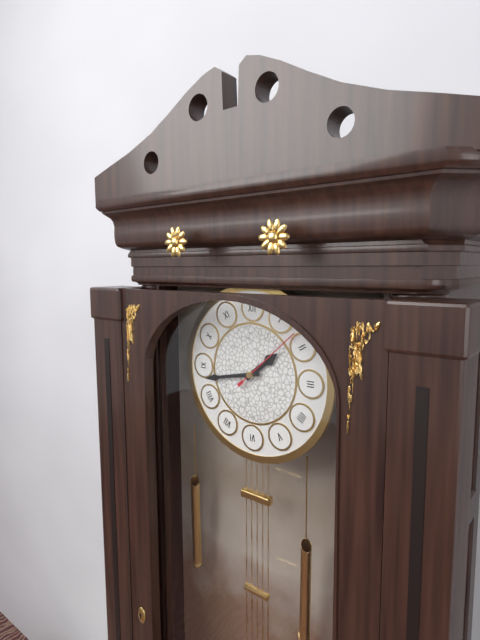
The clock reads 1:43:08
